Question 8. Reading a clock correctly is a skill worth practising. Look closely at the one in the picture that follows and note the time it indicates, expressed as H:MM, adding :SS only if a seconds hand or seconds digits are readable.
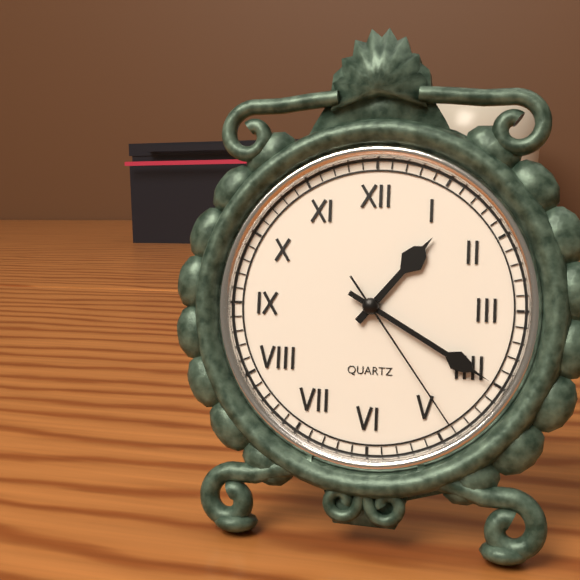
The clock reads 1:20:24
